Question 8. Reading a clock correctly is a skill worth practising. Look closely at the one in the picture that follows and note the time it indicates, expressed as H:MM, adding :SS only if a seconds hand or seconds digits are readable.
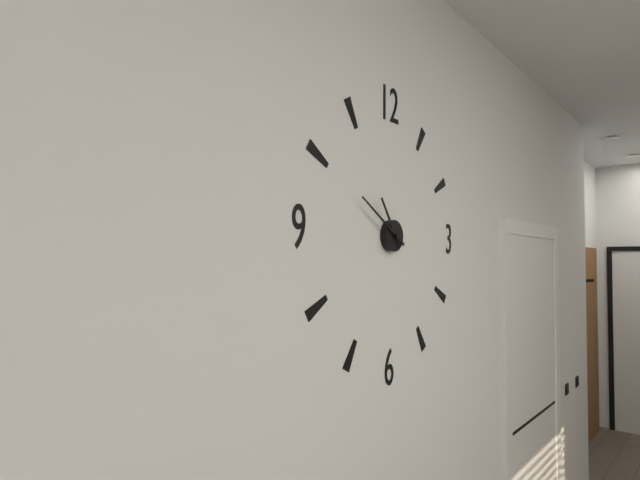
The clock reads 10:50
